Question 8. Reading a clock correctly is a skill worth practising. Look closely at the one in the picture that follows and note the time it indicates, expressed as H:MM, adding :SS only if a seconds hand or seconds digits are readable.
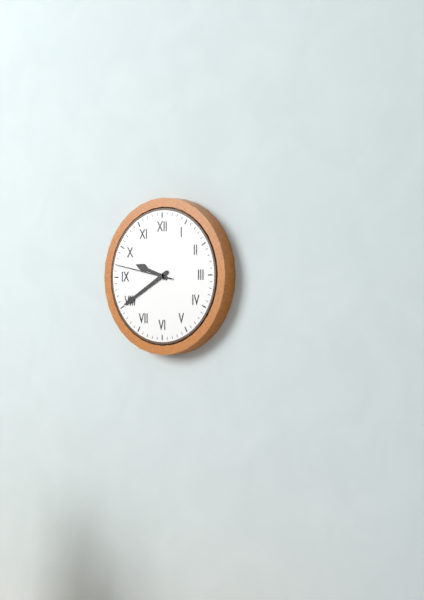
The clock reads 9:40:47
